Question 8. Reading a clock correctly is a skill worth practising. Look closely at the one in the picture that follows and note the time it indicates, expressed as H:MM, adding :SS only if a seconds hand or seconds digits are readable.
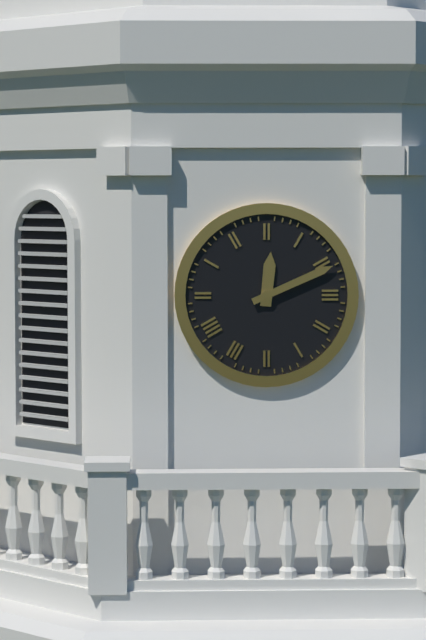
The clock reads 12:11
